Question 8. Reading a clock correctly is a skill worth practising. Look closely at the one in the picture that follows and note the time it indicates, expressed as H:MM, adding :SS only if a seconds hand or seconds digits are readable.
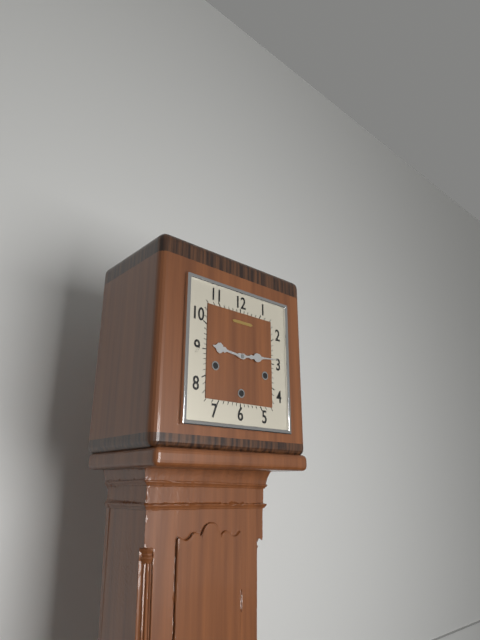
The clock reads 9:14
